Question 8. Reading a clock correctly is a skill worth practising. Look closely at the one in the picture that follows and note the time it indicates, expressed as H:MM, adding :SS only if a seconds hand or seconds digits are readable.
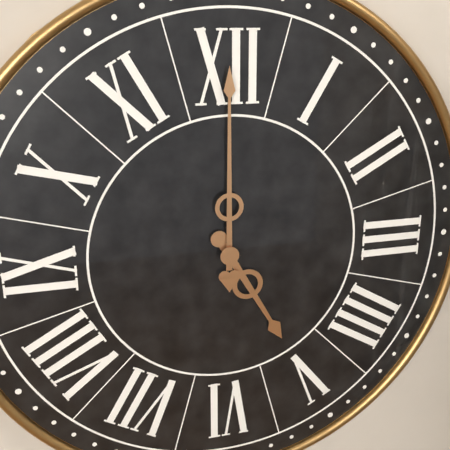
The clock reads 5:00
